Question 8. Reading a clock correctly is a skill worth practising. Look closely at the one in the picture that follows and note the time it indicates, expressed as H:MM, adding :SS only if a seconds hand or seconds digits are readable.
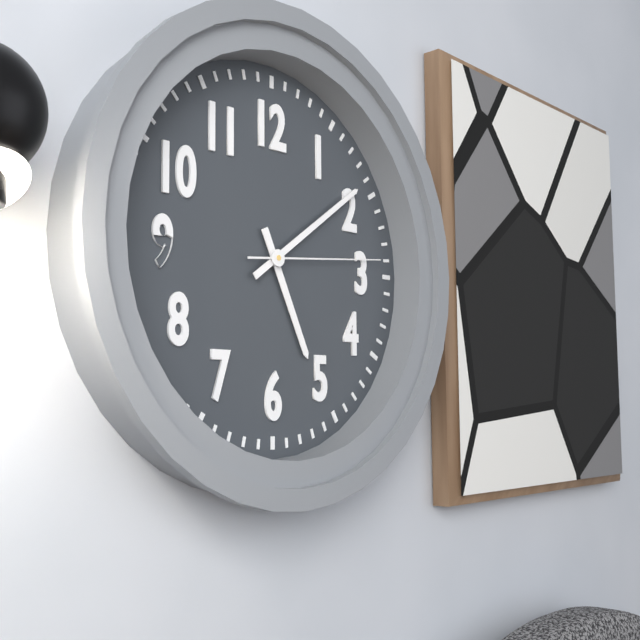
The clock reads 5:09:14
